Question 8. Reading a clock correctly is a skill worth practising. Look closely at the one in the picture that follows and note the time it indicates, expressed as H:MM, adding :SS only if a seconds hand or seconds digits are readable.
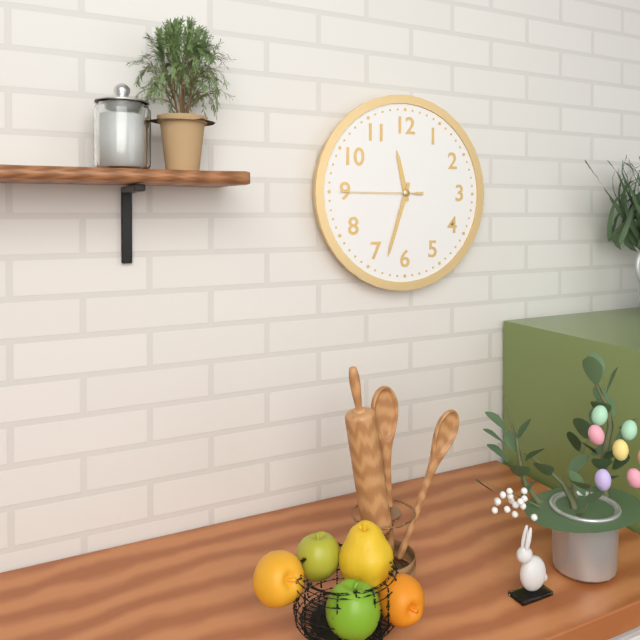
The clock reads 11:33:45
